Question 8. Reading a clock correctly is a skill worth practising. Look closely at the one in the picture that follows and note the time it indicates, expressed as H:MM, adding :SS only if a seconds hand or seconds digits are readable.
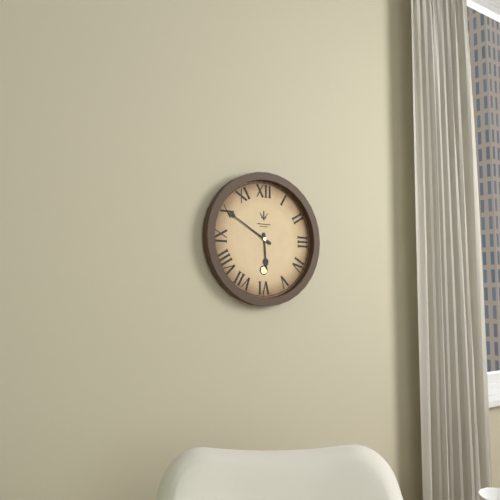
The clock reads 5:50
